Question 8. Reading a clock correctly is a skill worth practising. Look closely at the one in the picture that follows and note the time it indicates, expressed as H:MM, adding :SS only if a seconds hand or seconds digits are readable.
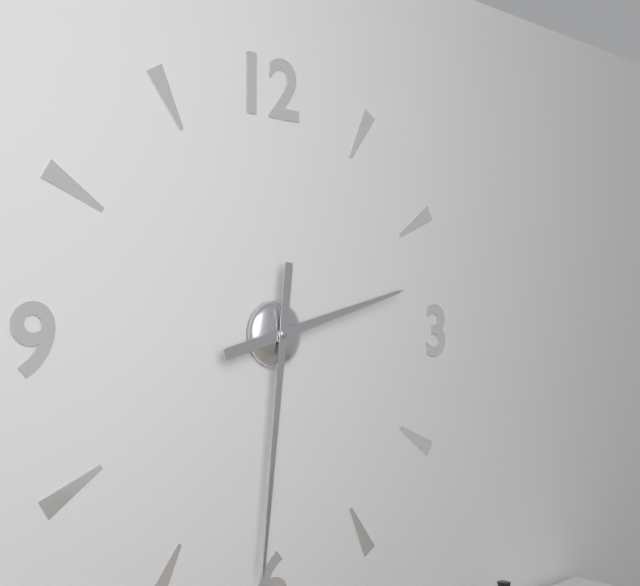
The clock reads 2:31
